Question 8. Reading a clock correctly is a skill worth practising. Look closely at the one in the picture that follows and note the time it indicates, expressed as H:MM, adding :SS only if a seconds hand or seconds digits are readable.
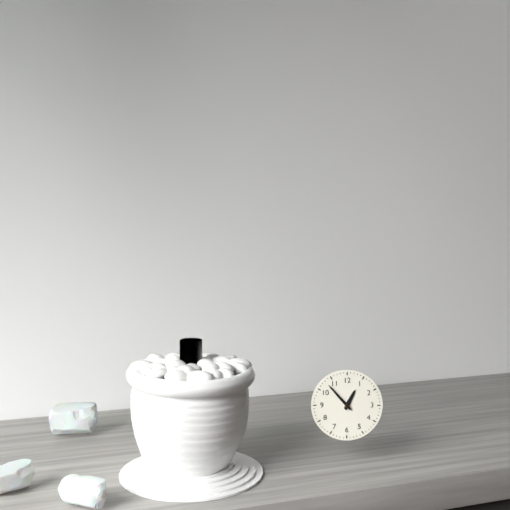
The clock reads 12:53
